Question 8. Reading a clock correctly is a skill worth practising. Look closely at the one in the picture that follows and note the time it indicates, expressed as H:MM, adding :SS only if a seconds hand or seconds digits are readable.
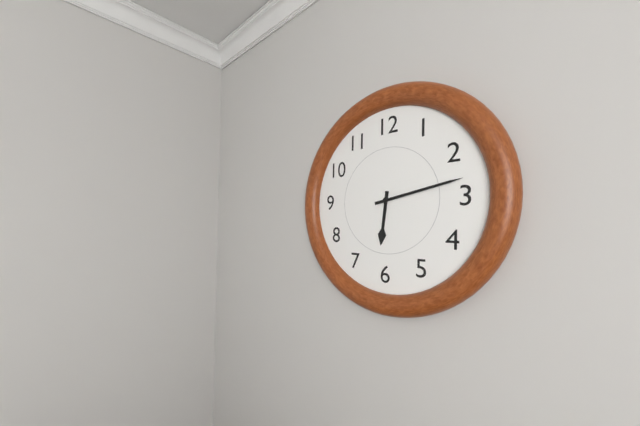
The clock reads 6:13
